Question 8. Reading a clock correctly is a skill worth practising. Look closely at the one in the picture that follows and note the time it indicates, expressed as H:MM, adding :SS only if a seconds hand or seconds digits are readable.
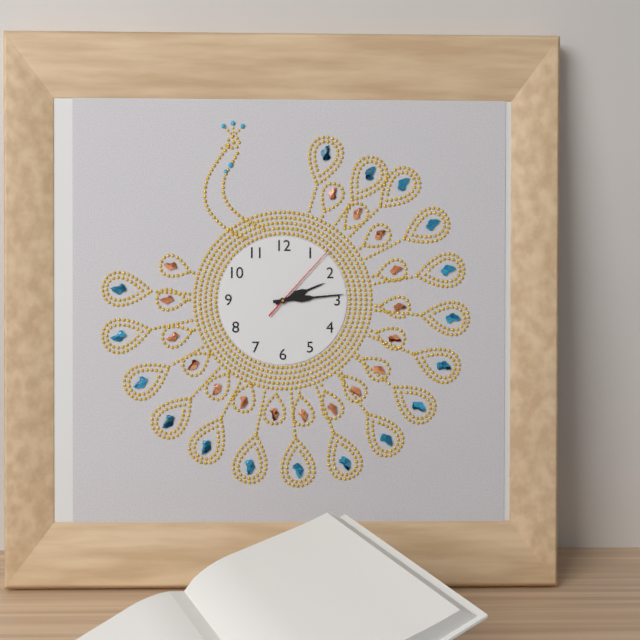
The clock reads 2:14:07
